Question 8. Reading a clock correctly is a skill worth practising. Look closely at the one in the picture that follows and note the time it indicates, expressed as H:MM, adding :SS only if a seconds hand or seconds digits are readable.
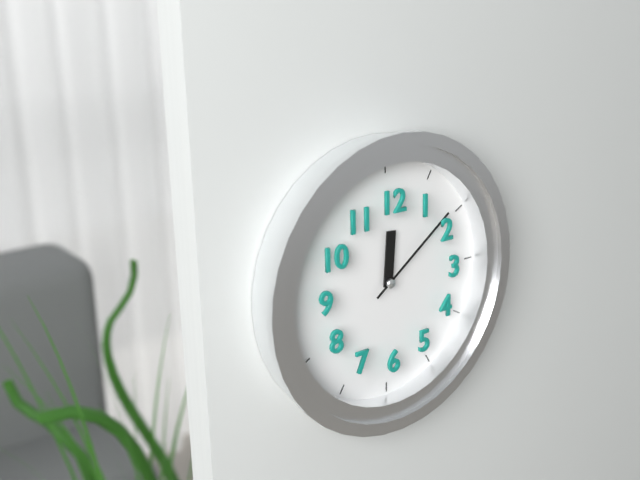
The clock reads 12:09
